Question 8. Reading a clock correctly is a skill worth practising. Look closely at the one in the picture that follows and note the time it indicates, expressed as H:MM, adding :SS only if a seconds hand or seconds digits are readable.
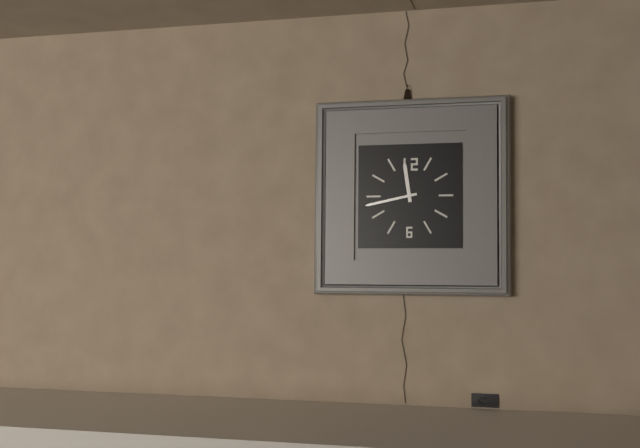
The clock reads 11:43
